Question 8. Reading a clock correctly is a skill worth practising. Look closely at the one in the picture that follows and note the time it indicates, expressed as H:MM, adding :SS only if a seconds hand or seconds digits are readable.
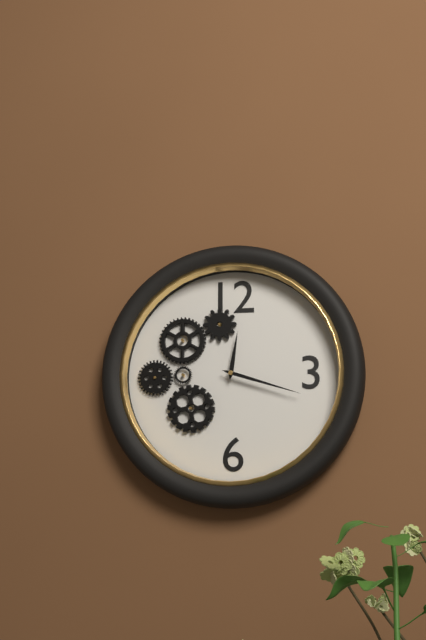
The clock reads 12:18
